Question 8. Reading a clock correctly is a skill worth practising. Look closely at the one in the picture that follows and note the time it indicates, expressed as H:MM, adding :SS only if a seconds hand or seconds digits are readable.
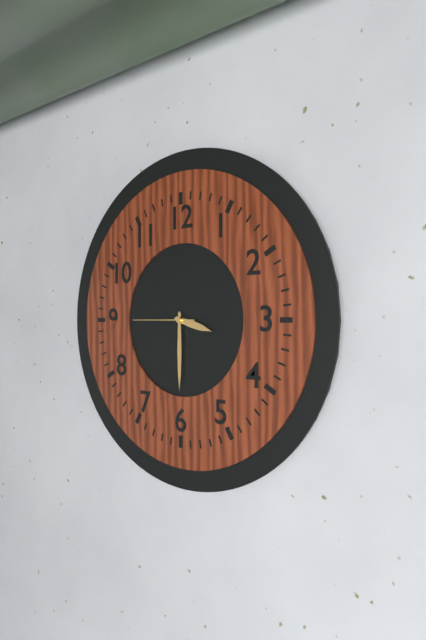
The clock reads 3:30:45
